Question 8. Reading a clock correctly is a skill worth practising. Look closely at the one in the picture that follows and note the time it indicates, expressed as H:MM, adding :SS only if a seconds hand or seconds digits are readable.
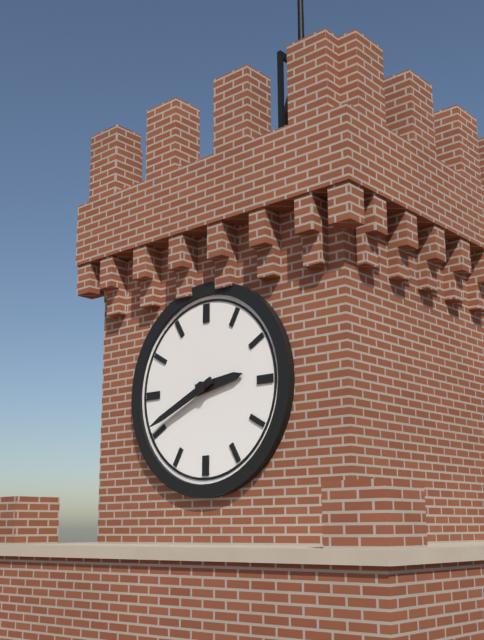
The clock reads 2:41
